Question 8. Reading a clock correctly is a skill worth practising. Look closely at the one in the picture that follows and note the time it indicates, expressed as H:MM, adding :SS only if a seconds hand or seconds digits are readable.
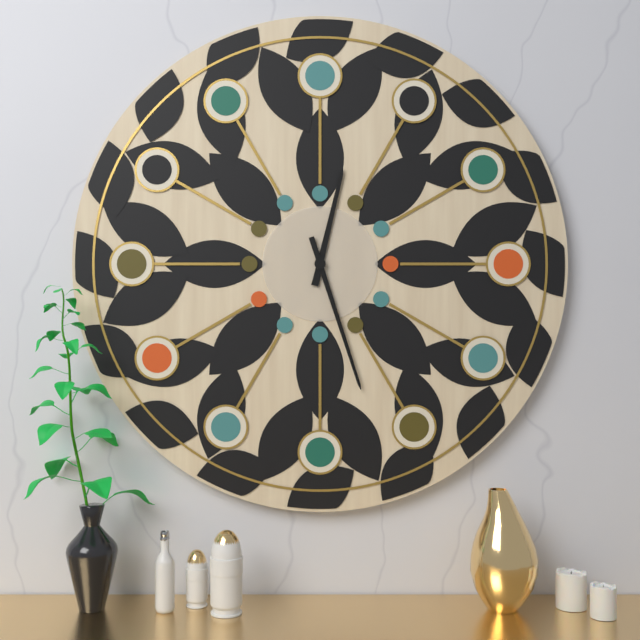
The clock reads 12:27
